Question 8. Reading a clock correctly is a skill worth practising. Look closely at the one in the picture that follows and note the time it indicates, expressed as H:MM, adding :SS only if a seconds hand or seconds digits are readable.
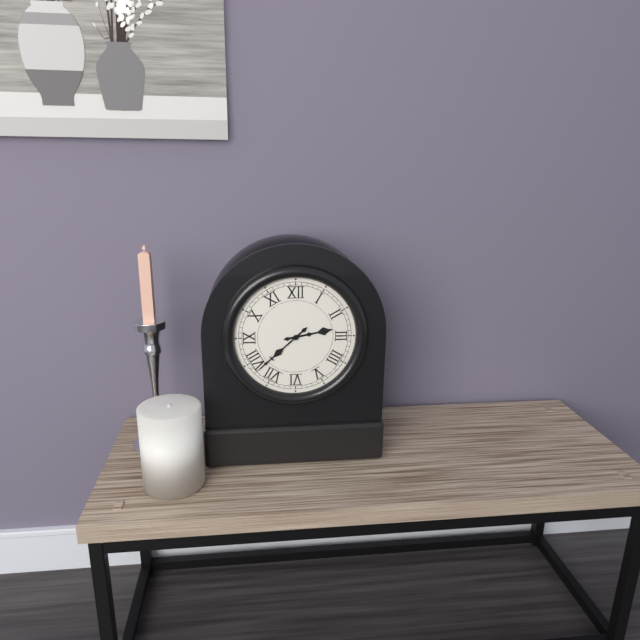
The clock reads 2:38
